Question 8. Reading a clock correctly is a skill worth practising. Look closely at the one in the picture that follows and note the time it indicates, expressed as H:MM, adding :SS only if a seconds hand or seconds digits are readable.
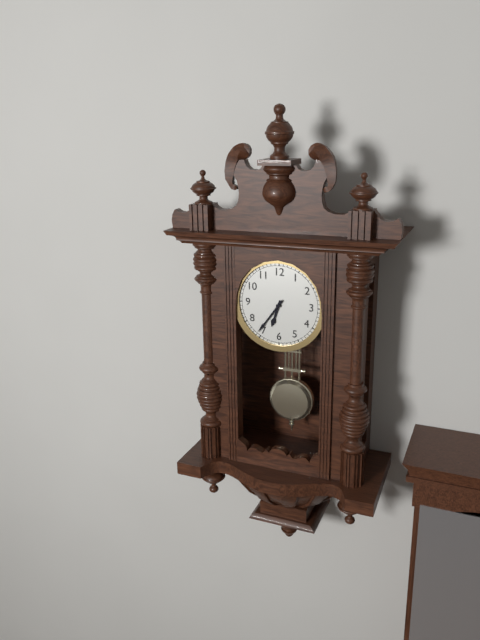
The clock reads 6:36
